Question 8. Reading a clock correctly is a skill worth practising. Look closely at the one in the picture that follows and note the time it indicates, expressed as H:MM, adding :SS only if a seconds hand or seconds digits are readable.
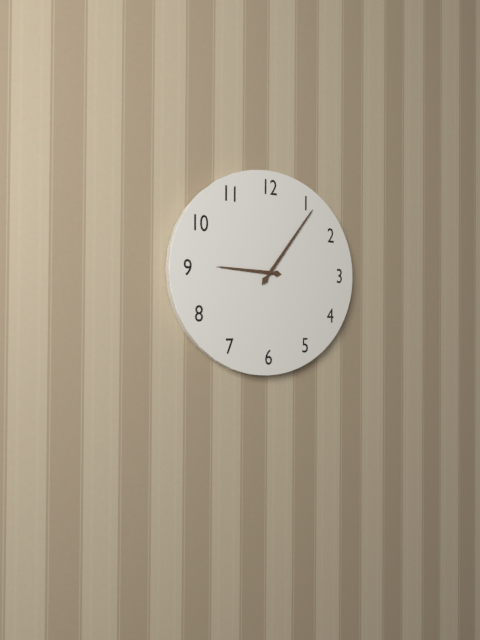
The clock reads 9:06
